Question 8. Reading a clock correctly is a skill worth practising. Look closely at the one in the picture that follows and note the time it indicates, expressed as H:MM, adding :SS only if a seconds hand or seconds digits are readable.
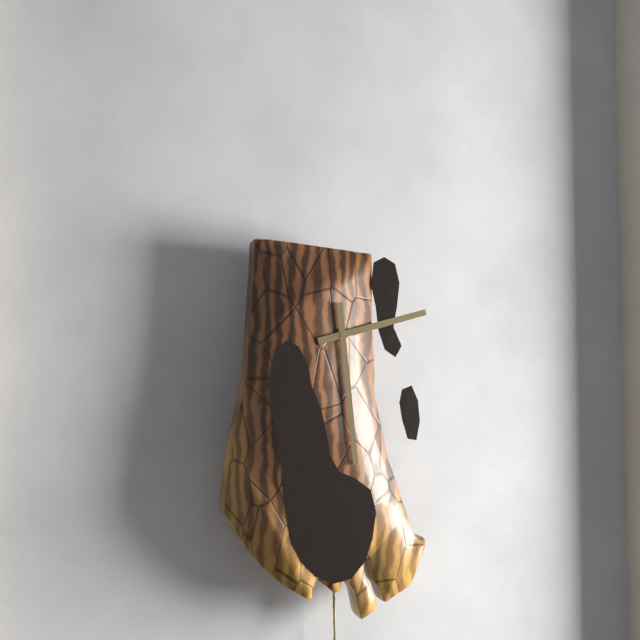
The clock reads 2:29
